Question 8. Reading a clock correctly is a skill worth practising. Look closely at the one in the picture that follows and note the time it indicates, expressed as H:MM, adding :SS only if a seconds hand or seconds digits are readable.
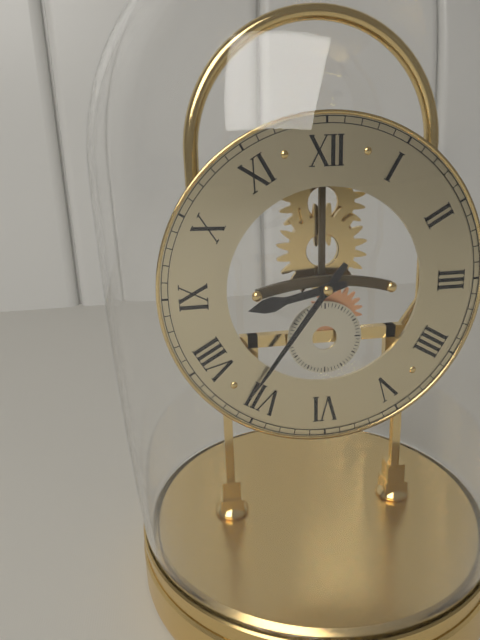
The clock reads 8:36
